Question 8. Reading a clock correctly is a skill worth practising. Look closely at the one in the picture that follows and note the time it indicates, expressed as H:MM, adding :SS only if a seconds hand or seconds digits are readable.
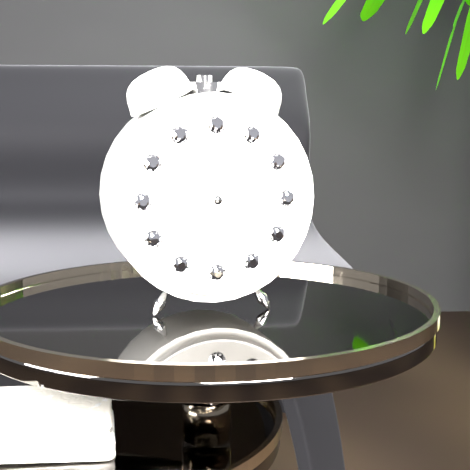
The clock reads 2:34:30
